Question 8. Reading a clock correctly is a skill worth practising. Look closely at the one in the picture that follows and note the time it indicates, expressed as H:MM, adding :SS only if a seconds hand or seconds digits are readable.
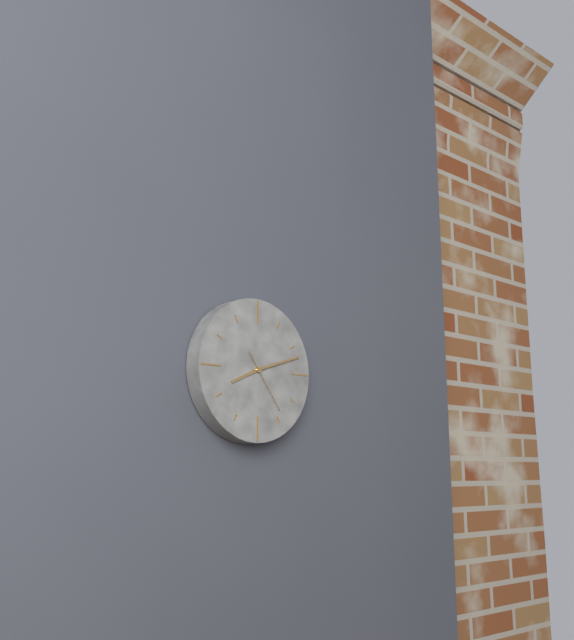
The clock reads 8:12:24
